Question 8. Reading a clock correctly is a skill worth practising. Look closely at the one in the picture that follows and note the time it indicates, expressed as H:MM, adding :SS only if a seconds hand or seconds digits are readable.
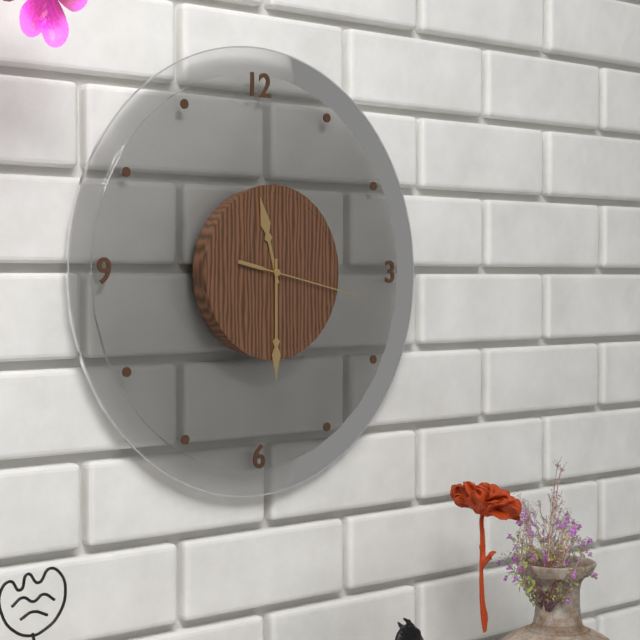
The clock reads 11:30:17
